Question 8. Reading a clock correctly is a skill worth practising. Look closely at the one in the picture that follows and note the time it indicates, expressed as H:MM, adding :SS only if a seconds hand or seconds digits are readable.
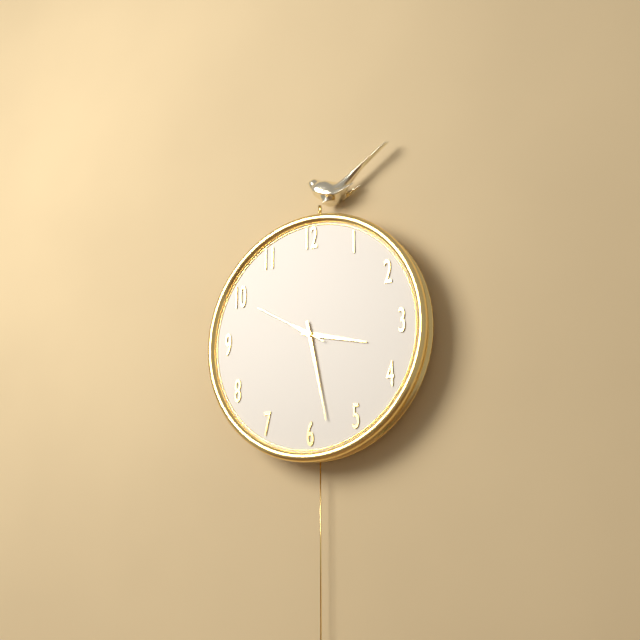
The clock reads 3:28:50
